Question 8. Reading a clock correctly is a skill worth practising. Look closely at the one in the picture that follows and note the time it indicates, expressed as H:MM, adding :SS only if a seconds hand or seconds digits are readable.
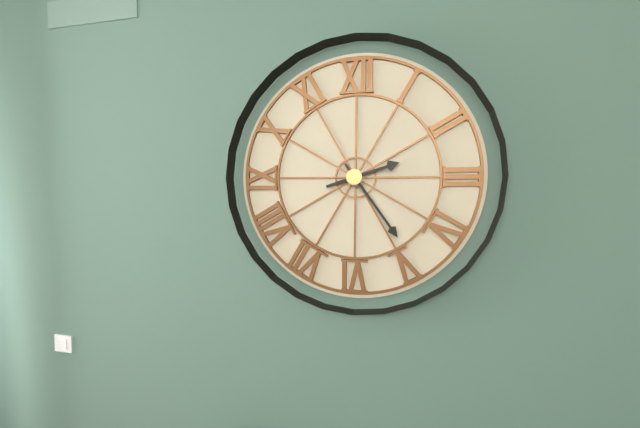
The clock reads 2:24
